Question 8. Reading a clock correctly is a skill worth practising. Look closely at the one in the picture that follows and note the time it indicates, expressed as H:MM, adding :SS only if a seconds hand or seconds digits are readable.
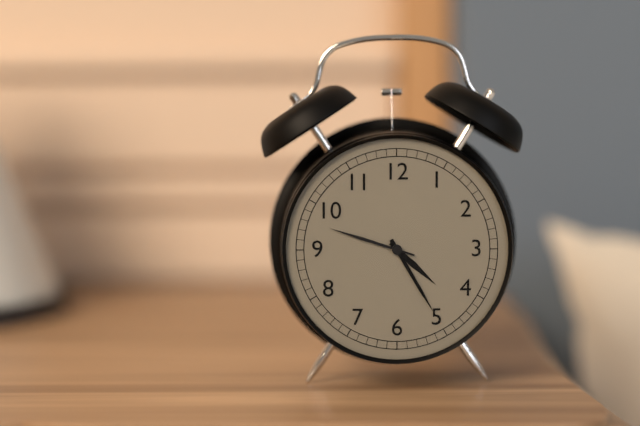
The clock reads 4:25:48
